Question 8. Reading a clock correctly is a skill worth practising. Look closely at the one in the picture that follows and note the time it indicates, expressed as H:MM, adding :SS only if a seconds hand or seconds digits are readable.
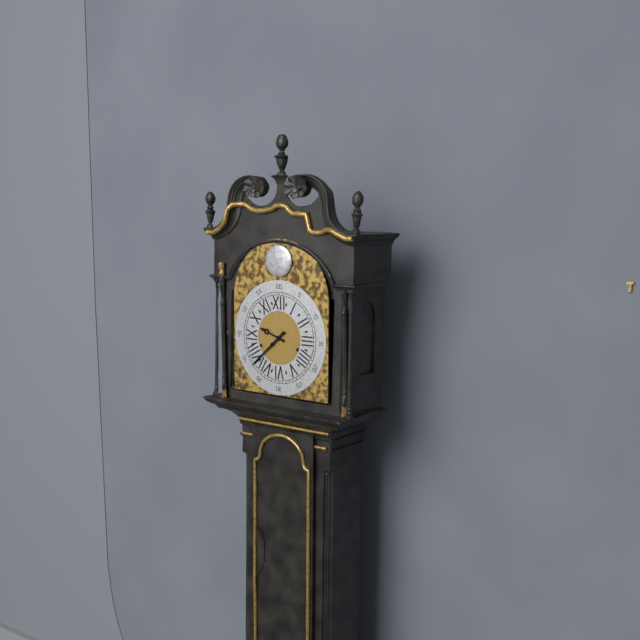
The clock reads 9:38
